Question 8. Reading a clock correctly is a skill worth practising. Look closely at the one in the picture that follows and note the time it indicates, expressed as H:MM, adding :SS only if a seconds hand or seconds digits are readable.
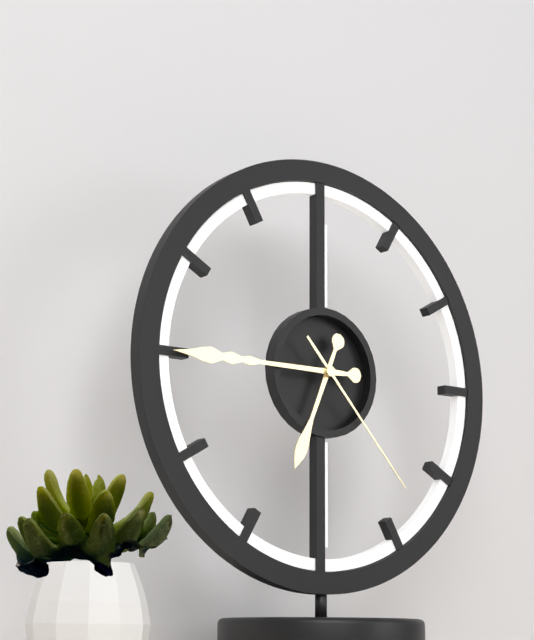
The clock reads 6:45:23
